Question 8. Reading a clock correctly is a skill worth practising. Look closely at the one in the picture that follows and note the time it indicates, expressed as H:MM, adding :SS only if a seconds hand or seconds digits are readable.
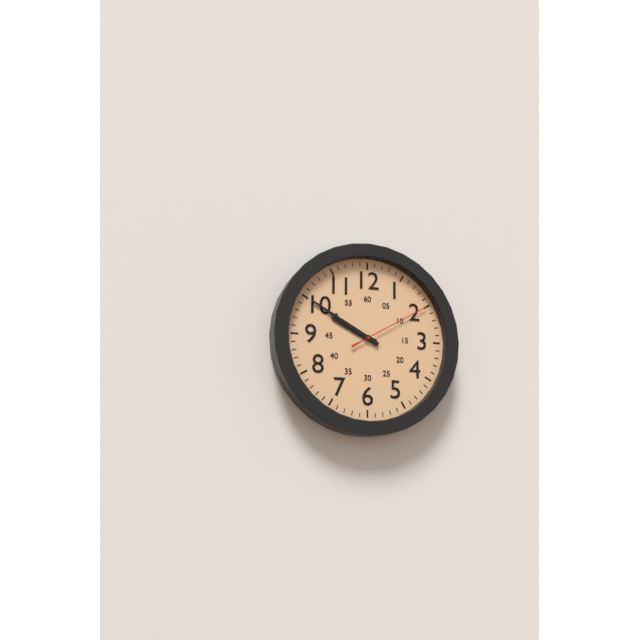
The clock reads 9:50:10
